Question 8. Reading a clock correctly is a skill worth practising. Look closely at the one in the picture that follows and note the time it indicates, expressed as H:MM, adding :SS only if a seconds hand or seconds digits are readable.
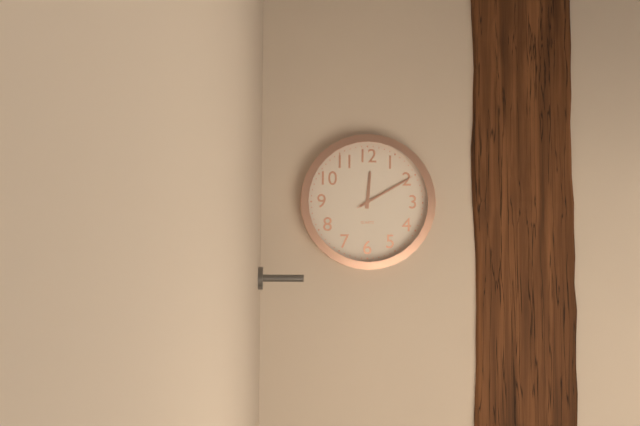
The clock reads 12:10:10
